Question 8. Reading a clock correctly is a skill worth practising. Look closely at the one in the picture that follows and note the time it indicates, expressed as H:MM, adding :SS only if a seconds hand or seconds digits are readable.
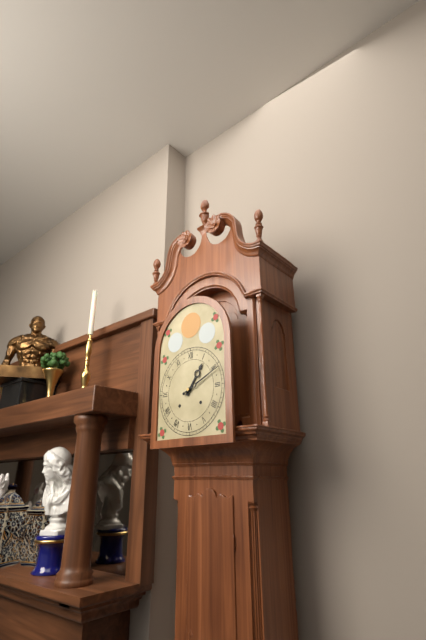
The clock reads 1:11
